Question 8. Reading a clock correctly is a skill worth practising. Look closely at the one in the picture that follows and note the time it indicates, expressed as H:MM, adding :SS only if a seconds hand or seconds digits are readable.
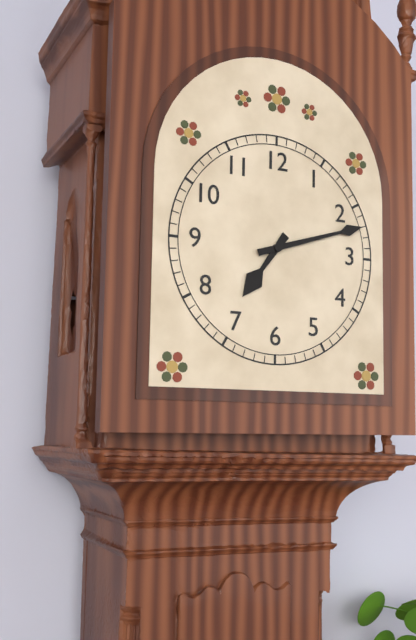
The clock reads 7:12
